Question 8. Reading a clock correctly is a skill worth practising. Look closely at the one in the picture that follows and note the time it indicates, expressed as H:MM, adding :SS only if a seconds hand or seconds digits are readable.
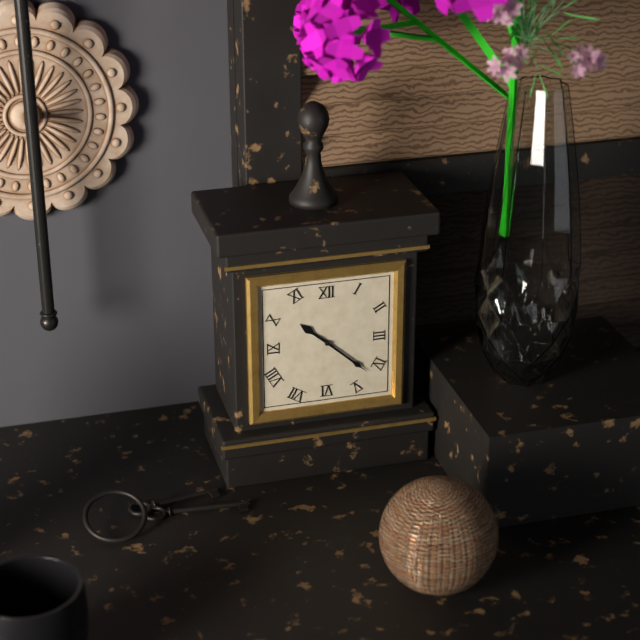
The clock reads 10:22
